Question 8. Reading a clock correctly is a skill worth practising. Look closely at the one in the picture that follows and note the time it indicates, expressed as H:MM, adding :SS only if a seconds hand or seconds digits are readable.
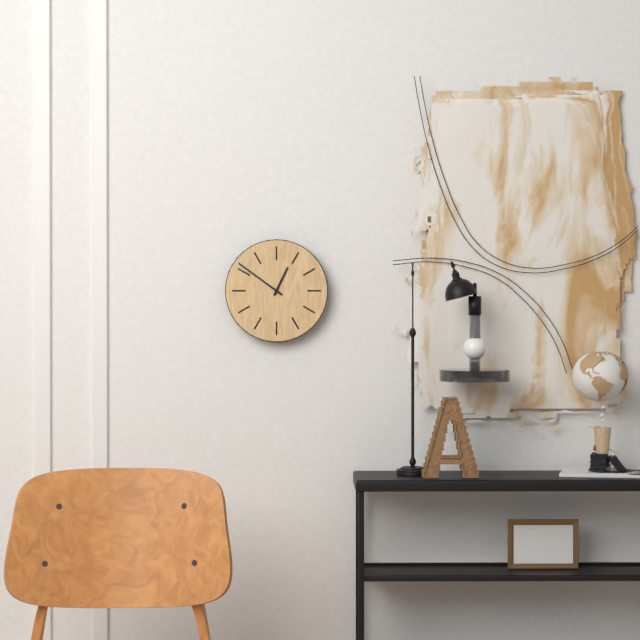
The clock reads 12:51
